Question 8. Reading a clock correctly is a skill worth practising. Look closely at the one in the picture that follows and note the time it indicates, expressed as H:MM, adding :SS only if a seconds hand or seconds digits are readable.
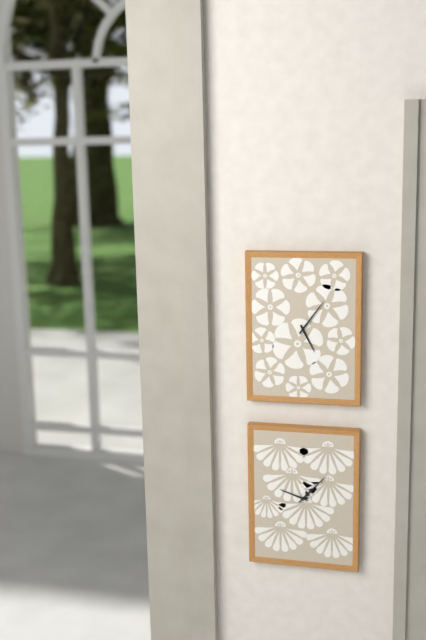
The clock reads 5:06
